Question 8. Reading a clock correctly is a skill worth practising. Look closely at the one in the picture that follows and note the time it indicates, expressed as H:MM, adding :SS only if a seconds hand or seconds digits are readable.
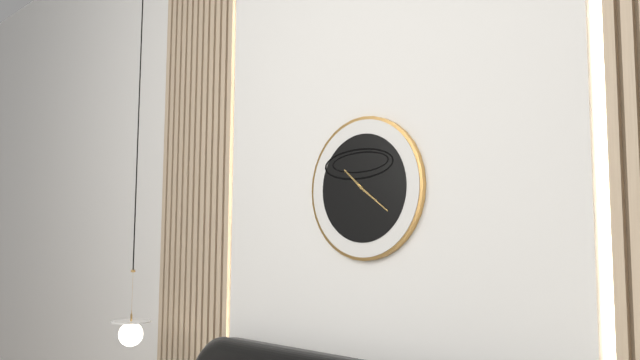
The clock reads 10:21
